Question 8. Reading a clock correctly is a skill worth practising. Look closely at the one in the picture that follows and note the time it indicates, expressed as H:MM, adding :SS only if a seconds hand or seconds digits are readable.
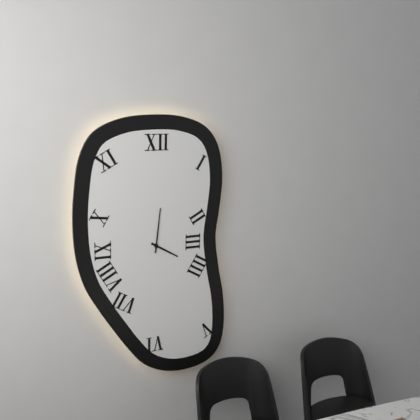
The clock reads 4:01
